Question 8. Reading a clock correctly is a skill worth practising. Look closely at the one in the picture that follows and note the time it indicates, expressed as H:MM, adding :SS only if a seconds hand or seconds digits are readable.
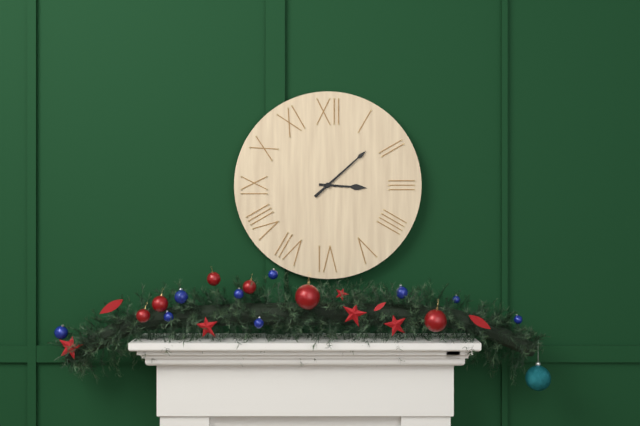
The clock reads 3:08
